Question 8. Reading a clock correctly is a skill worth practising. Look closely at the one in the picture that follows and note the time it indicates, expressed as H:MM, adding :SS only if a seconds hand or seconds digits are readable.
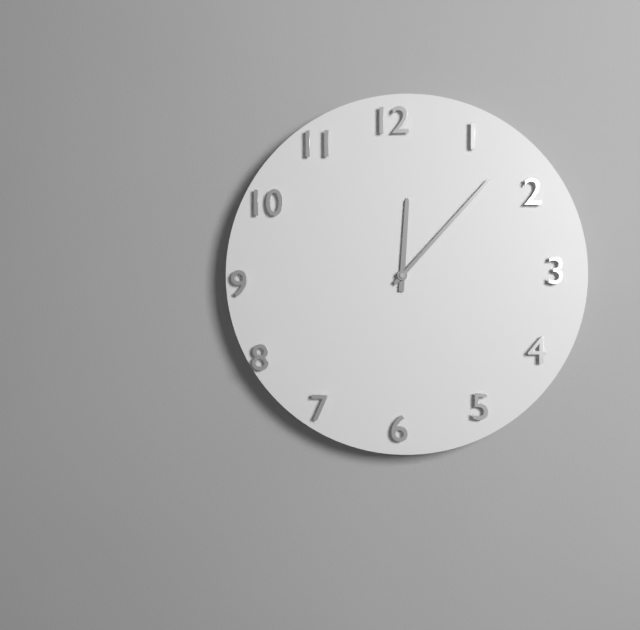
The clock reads 12:07
